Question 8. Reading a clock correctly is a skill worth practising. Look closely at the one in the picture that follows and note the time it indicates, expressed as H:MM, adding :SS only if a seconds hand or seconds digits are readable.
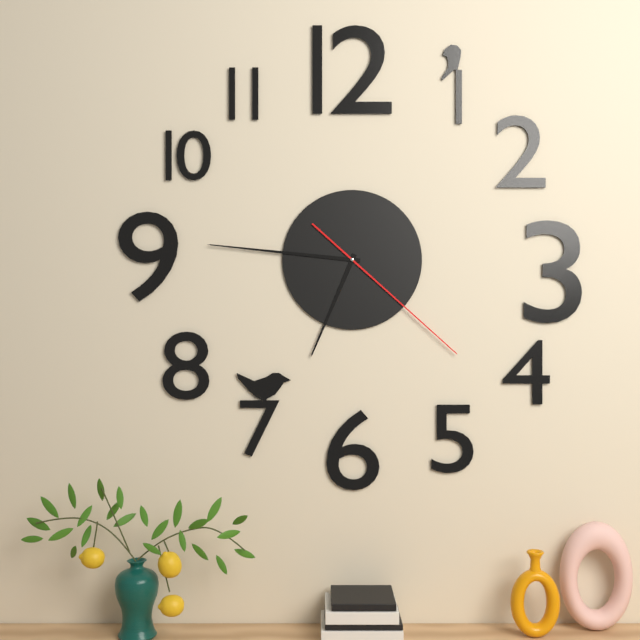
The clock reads 6:46:22
